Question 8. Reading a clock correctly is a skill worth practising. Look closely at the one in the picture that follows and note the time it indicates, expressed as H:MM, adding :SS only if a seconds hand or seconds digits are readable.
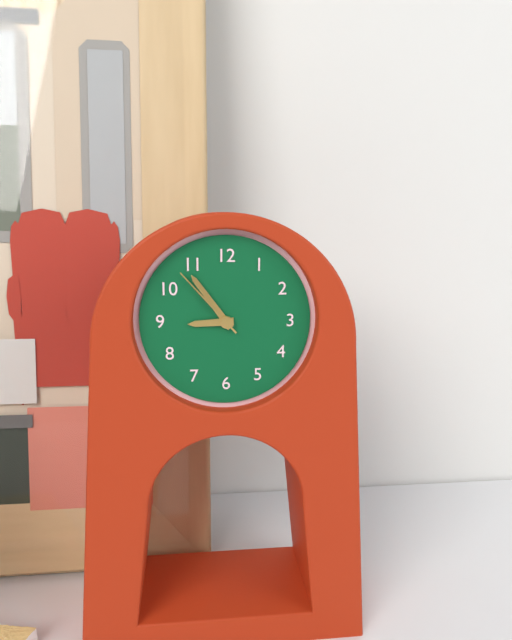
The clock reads 8:54:53
